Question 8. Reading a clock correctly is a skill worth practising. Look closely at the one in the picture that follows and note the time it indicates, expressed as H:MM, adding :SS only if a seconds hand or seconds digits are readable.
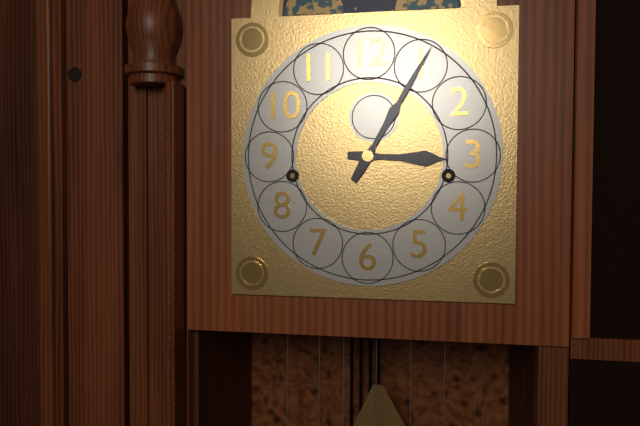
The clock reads 3:05
